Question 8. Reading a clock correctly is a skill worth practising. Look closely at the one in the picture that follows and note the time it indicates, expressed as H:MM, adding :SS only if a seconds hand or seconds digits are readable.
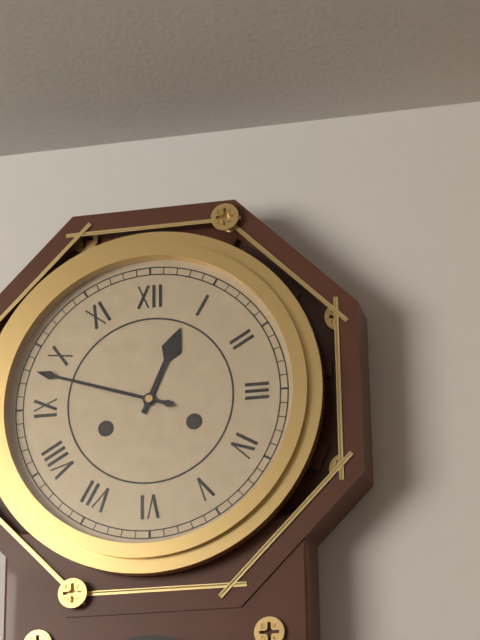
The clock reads 12:48
